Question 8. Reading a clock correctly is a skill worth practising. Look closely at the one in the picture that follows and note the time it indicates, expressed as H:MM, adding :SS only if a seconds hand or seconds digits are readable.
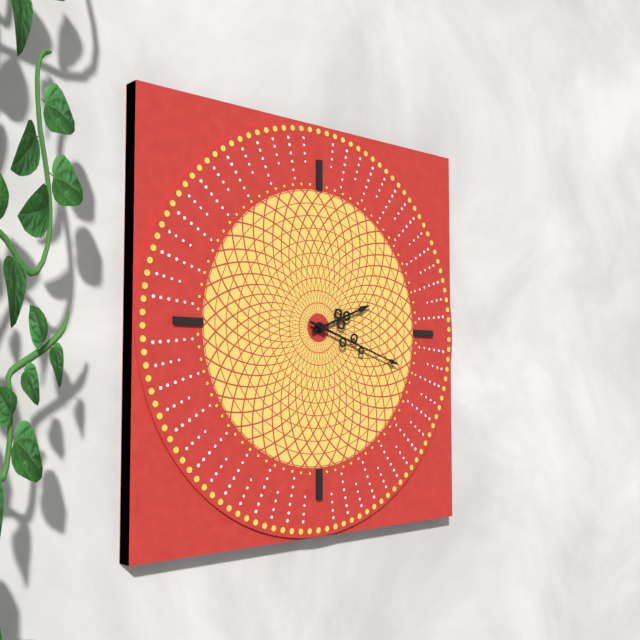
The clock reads 2:18
